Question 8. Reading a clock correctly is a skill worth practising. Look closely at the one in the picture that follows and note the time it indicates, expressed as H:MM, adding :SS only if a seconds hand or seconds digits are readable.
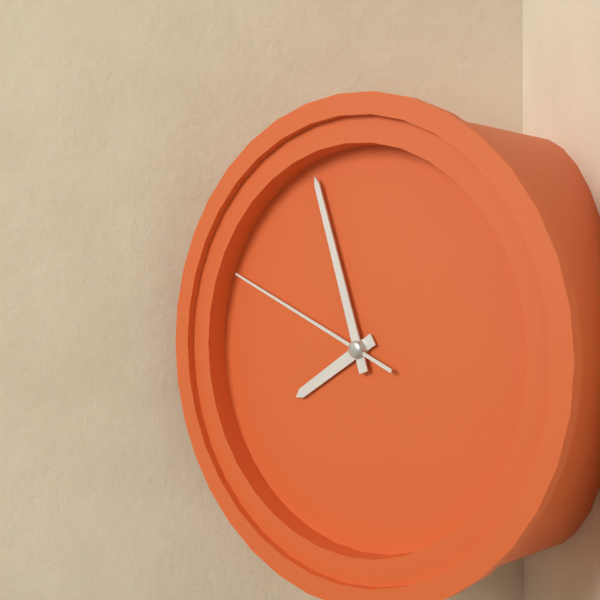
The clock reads 7:57:49
